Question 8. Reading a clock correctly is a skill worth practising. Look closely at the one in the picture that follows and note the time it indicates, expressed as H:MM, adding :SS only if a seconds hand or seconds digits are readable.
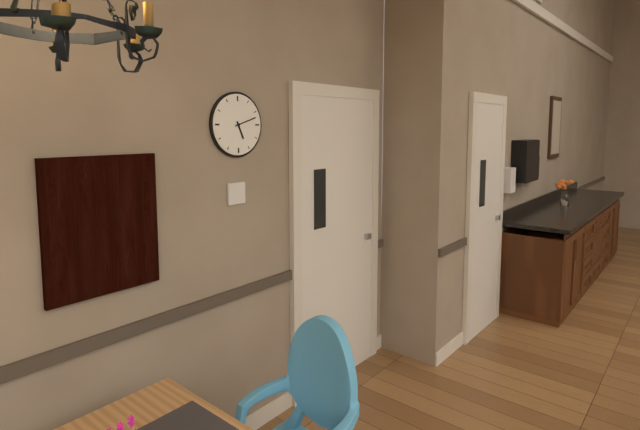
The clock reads 5:12
